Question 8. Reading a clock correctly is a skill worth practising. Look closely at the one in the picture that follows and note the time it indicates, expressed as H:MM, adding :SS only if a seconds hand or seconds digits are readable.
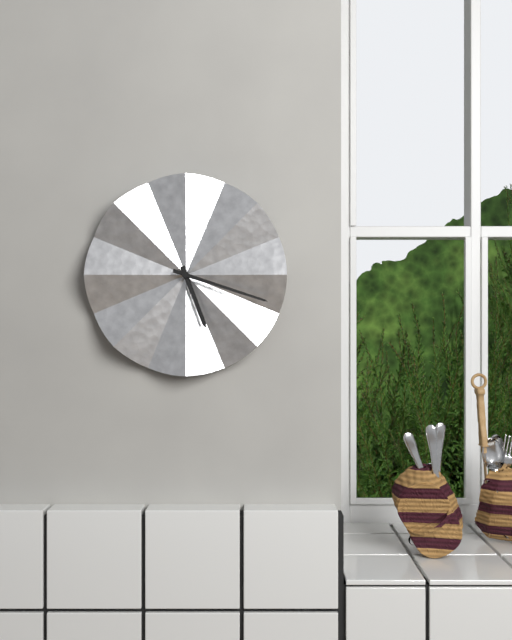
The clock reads 5:18
